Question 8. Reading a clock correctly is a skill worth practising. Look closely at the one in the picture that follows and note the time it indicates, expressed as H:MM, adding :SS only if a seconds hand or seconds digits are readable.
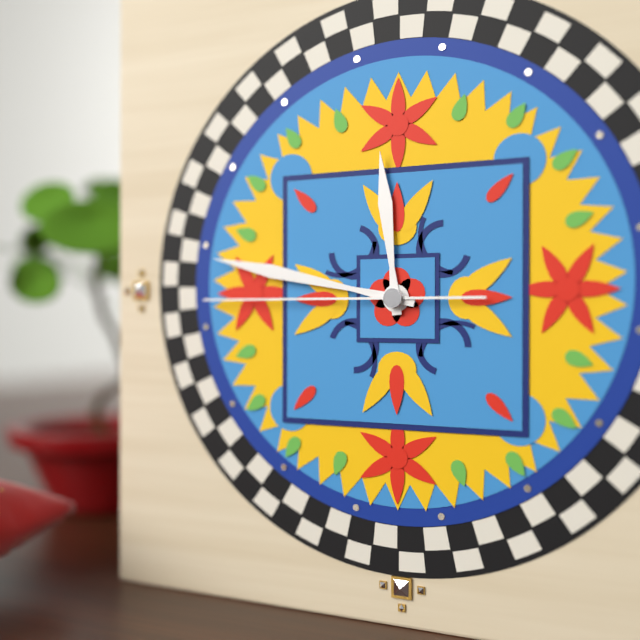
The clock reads 11:47:45
